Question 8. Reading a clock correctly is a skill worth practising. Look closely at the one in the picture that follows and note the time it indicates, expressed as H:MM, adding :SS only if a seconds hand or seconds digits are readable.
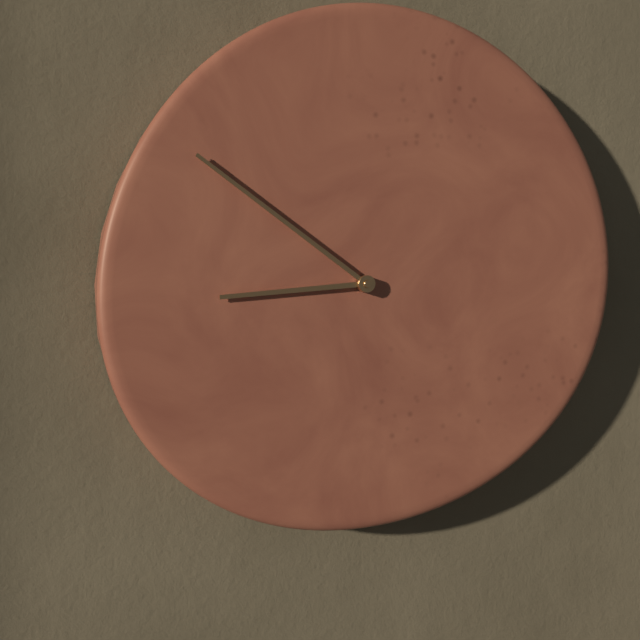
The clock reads 8:51
